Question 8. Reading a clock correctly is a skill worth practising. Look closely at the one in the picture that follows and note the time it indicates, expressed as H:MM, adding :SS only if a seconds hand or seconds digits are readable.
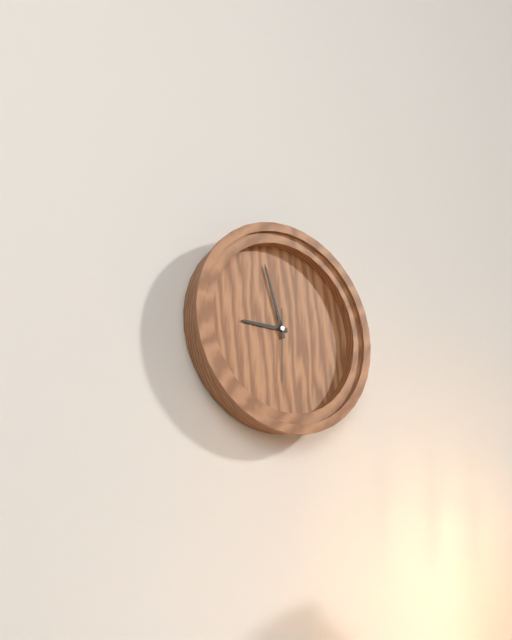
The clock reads 8:57:30
